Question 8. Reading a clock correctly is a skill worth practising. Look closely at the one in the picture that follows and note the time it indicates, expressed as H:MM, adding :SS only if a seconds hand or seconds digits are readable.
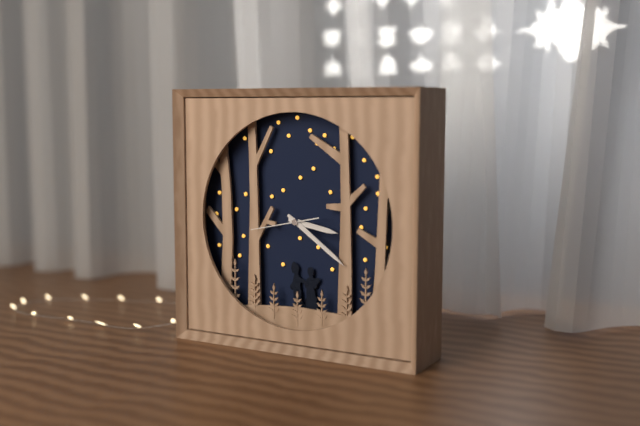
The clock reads 3:21:43
